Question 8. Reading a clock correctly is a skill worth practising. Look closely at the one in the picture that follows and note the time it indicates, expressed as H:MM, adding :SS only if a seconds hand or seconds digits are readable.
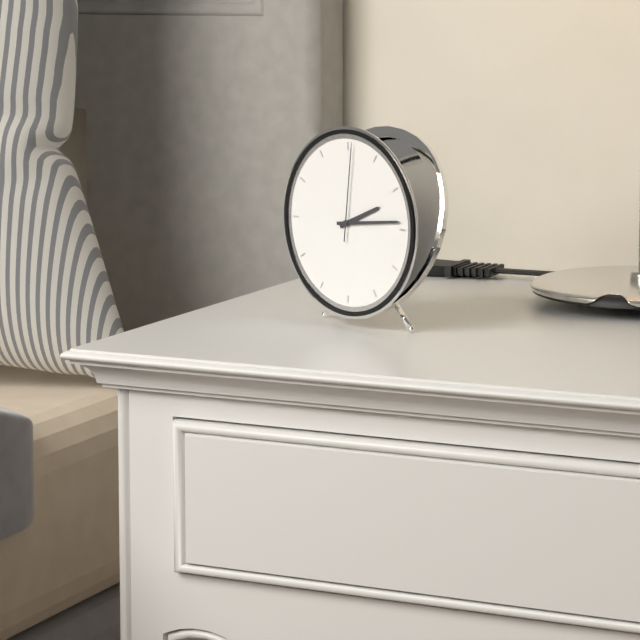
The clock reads 2:14:01
